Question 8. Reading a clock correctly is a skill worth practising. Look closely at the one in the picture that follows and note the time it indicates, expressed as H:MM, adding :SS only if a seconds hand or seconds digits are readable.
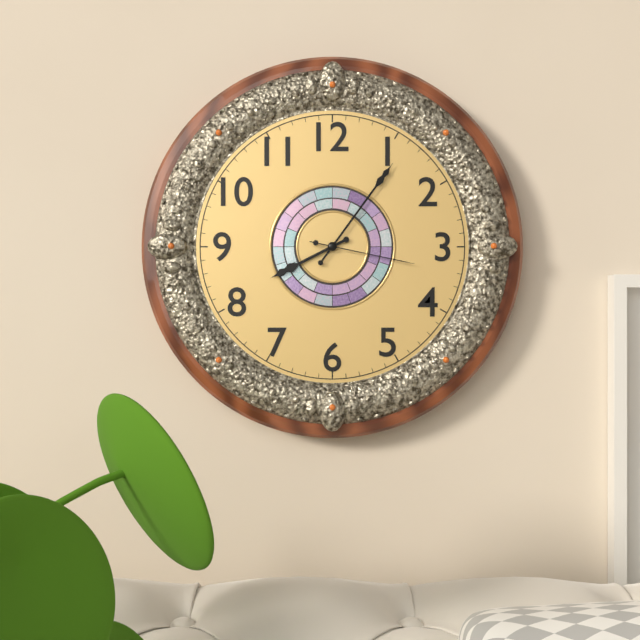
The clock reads 8:06:17
